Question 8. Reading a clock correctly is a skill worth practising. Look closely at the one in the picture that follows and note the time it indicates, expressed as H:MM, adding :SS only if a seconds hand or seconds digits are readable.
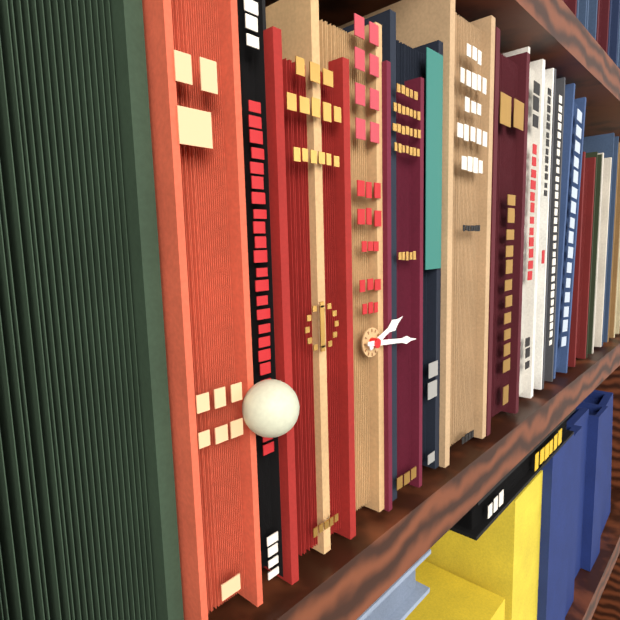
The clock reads 2:16
